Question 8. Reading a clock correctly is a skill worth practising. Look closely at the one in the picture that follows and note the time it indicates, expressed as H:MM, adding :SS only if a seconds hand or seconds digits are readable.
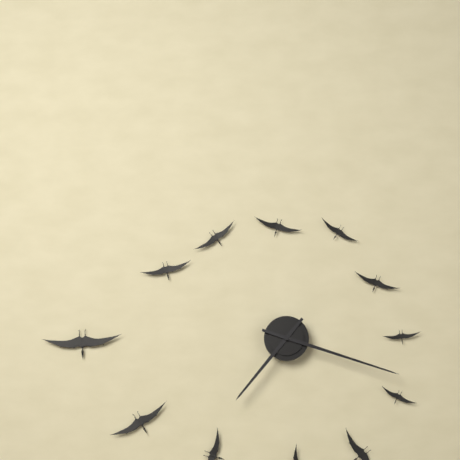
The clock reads 7:18
